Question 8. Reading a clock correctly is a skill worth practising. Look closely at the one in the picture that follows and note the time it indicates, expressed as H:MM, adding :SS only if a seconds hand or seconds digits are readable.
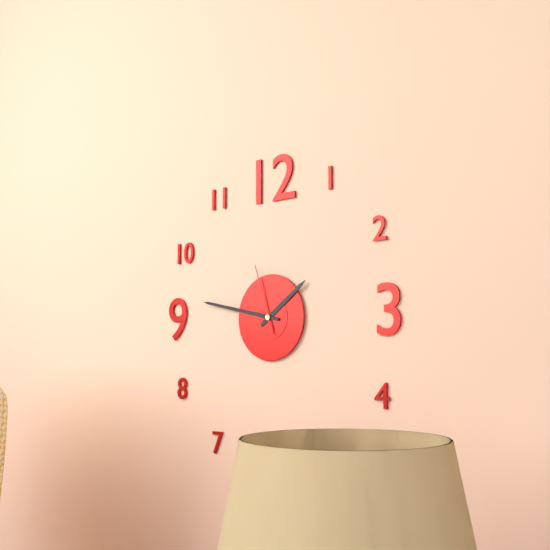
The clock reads 1:47:57
